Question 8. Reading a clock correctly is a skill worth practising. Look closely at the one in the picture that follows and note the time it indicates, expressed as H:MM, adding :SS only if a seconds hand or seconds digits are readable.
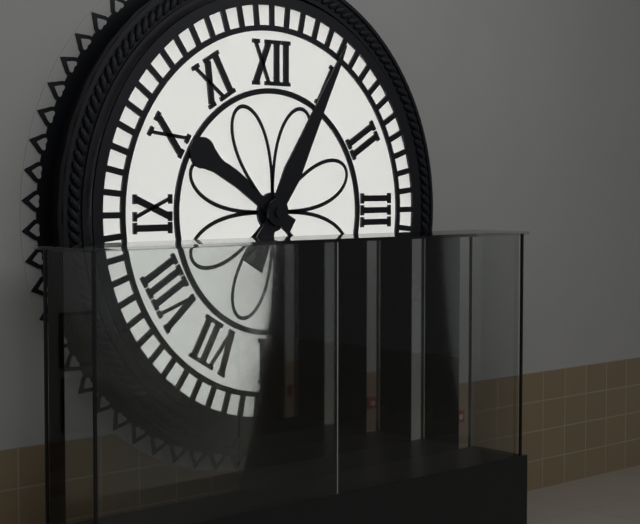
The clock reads 10:05
